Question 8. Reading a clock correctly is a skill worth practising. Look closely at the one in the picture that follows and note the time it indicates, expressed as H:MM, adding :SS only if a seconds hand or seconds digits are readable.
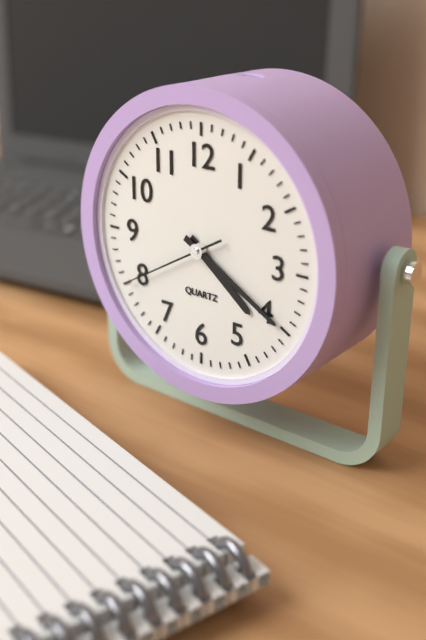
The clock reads 4:20:40
